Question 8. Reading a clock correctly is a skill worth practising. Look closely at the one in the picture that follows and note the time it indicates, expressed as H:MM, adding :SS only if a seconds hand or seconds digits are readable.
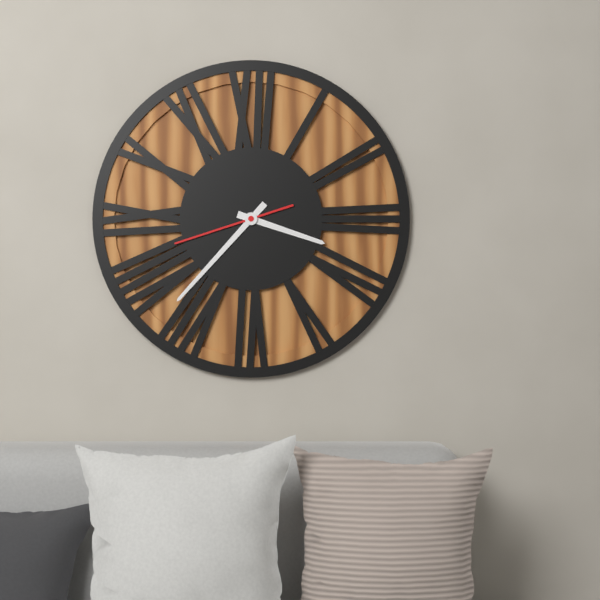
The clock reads 3:37:42
